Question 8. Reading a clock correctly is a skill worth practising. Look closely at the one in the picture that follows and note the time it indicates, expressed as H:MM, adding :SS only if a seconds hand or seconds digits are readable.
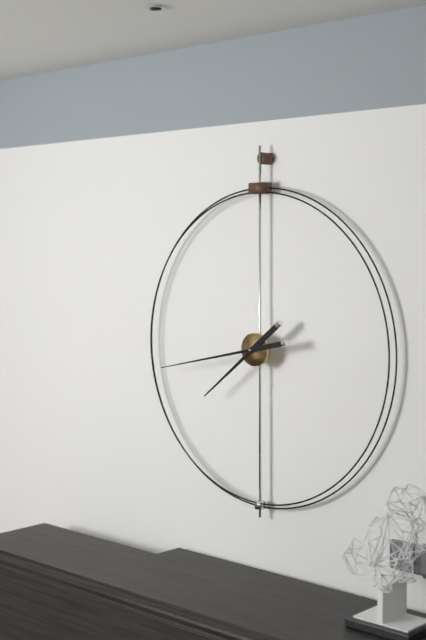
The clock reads 7:43
